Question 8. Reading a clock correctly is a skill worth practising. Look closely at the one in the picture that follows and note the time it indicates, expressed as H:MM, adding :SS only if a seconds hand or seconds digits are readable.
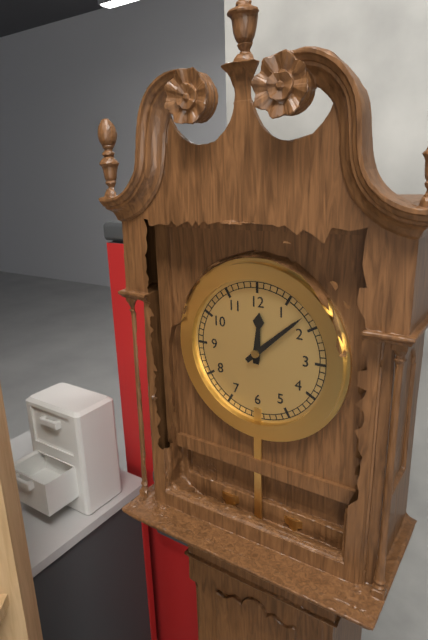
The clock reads 12:08
